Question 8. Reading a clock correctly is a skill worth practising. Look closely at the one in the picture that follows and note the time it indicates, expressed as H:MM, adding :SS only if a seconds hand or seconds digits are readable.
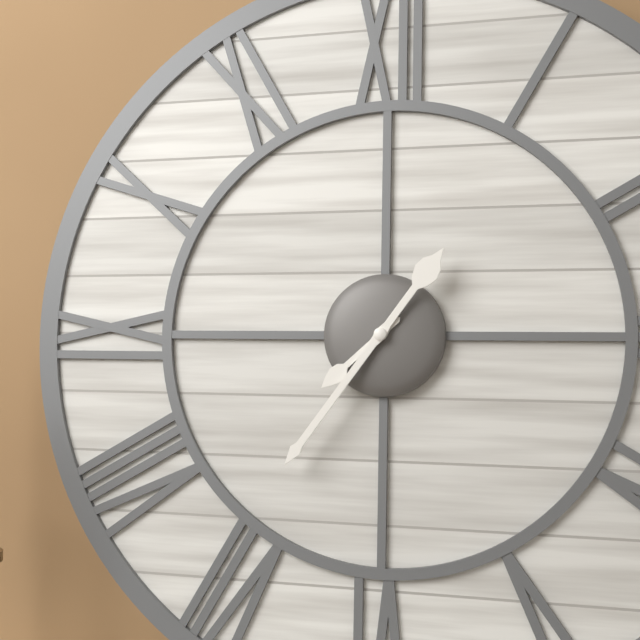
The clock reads 7:36
